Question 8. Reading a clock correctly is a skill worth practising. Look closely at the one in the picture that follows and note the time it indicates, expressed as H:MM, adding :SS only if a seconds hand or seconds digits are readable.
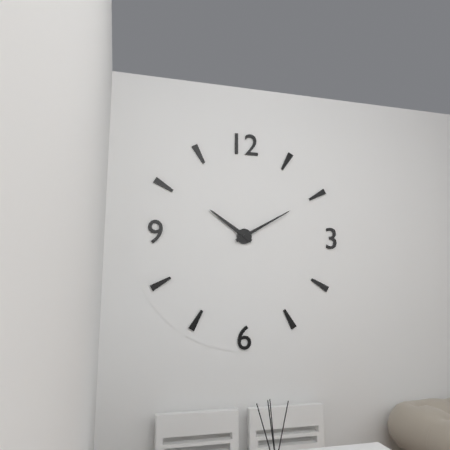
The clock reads 10:10
